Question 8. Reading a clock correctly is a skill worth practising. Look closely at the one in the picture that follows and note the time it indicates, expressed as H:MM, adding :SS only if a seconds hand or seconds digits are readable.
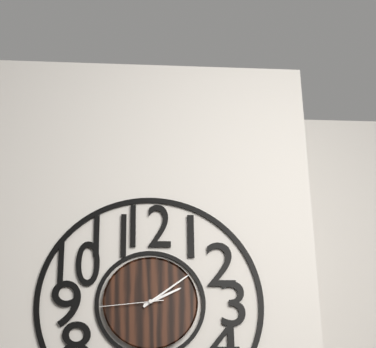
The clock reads 2:09:44
